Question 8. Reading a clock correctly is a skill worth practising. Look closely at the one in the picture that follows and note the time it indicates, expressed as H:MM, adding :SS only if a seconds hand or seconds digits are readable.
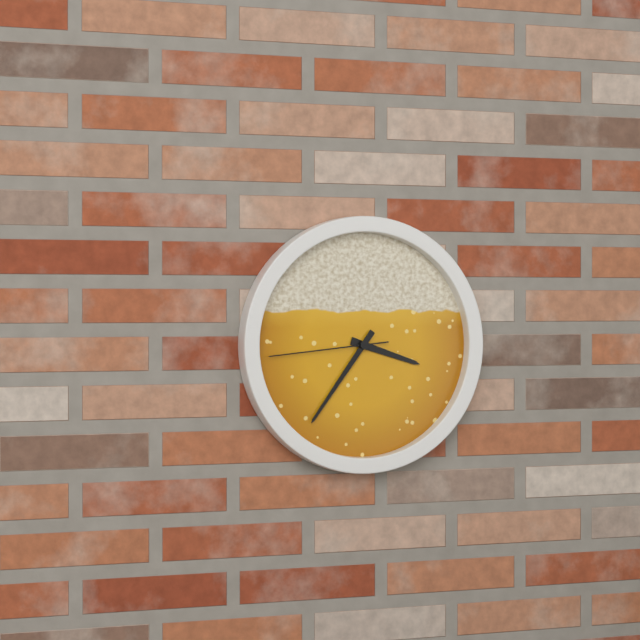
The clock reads 3:36:44
